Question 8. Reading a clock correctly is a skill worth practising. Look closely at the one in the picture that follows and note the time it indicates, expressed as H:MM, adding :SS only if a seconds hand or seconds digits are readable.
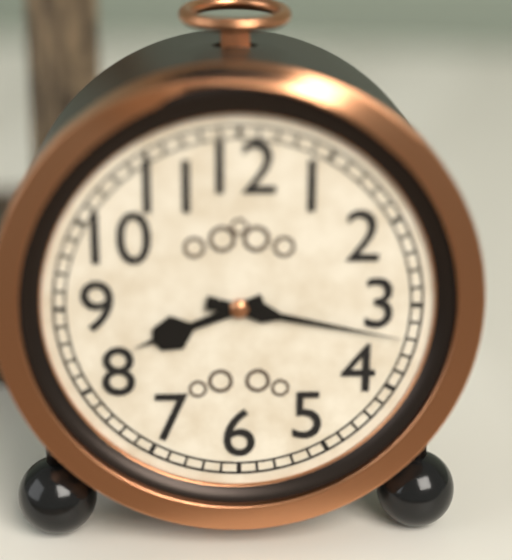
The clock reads 8:17
